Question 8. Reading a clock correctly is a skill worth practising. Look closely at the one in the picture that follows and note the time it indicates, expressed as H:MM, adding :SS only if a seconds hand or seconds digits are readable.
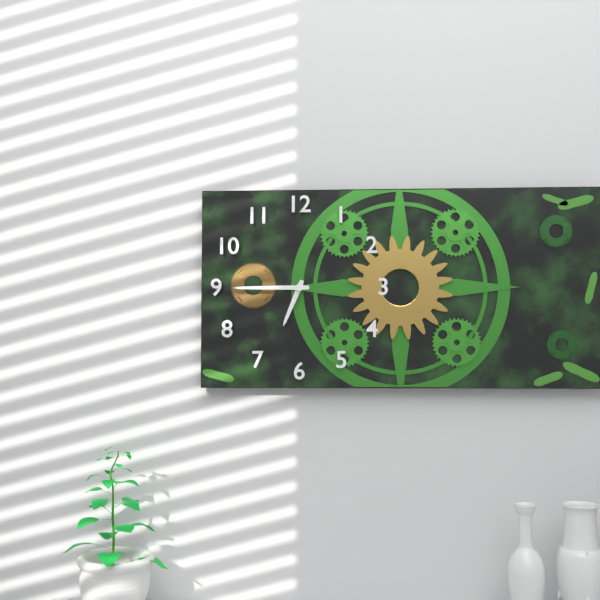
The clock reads 6:45
